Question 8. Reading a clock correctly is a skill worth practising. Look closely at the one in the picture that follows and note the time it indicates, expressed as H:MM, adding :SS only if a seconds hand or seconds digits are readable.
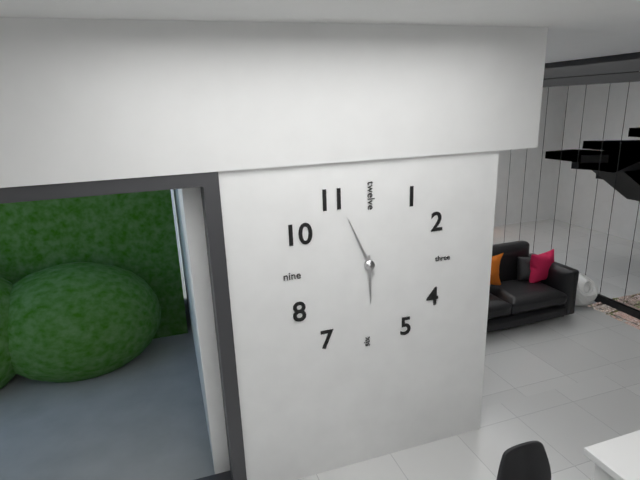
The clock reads 5:56
